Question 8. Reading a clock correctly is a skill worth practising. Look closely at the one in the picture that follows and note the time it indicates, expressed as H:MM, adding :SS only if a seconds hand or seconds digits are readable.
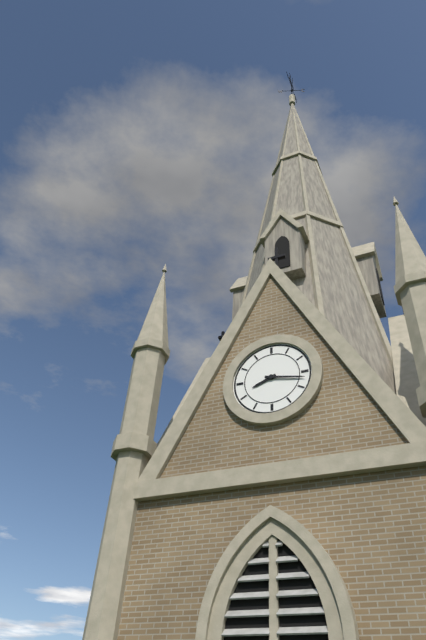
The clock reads 8:17
